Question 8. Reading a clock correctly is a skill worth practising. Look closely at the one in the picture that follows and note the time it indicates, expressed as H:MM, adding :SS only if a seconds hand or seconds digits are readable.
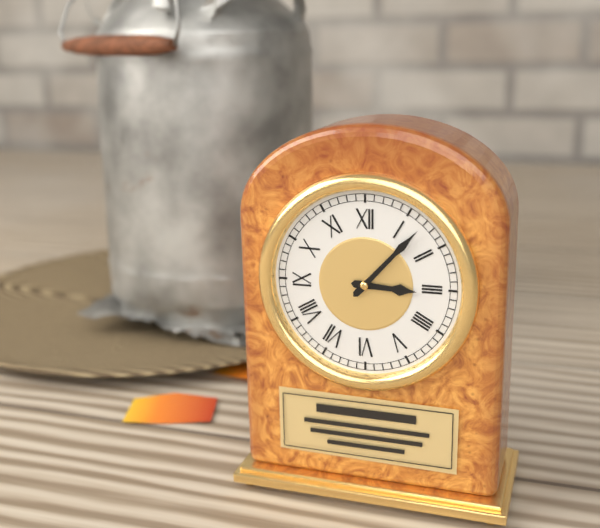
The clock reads 3:07
